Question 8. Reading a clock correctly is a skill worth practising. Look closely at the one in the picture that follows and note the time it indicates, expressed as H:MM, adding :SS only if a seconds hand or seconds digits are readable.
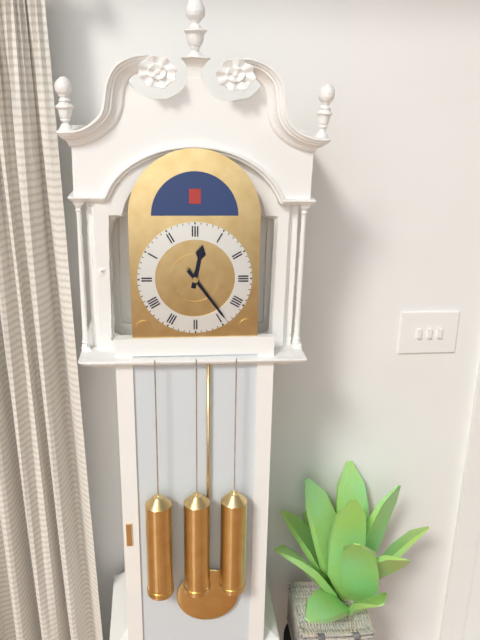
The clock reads 12:24
